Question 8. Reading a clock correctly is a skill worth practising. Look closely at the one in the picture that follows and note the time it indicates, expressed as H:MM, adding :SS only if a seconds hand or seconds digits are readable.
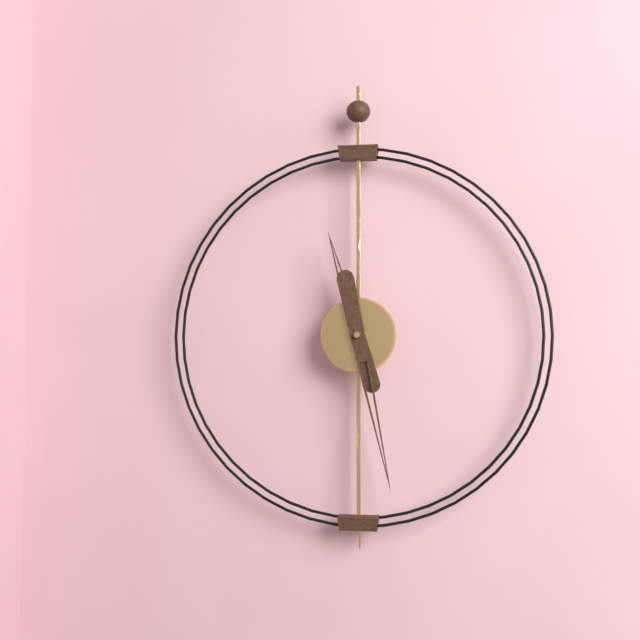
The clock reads 11:28
